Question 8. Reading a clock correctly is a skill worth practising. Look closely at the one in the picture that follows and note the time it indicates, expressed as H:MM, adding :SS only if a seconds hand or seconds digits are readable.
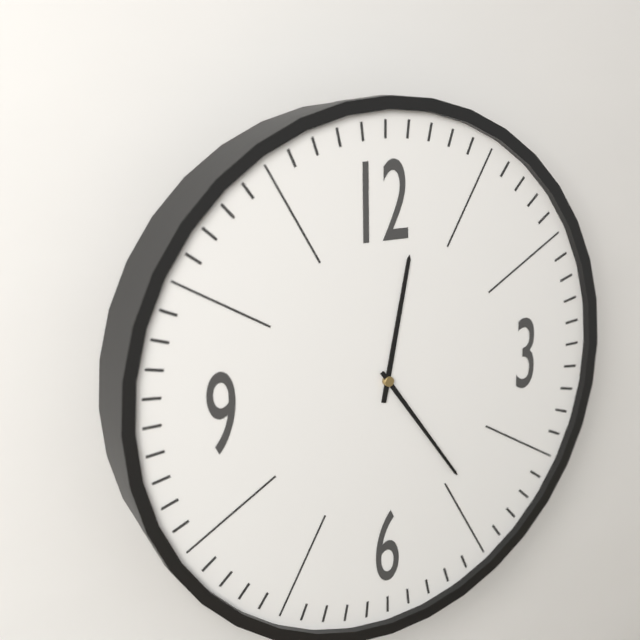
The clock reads 12:24
